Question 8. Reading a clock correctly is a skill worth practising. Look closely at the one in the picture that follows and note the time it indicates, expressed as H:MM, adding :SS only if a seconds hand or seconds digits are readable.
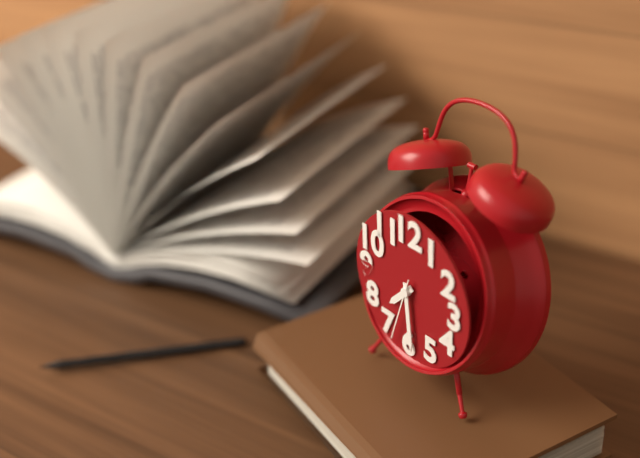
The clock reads 7:29:33
